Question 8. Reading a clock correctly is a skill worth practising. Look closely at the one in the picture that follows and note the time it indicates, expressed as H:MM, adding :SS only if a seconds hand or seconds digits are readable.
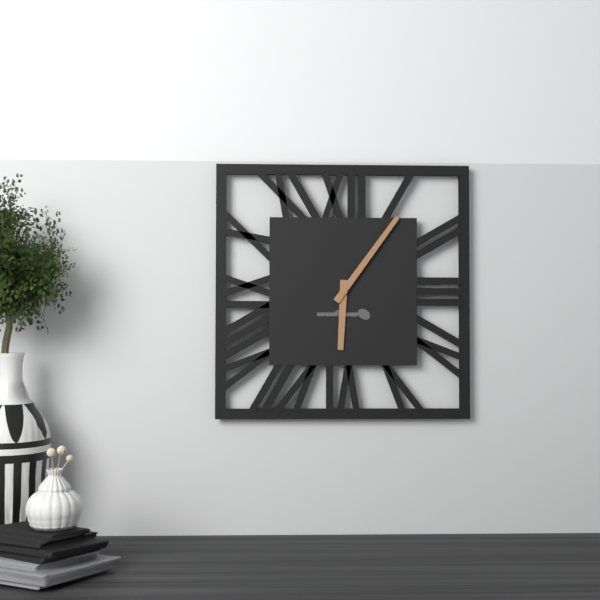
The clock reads 6:06
